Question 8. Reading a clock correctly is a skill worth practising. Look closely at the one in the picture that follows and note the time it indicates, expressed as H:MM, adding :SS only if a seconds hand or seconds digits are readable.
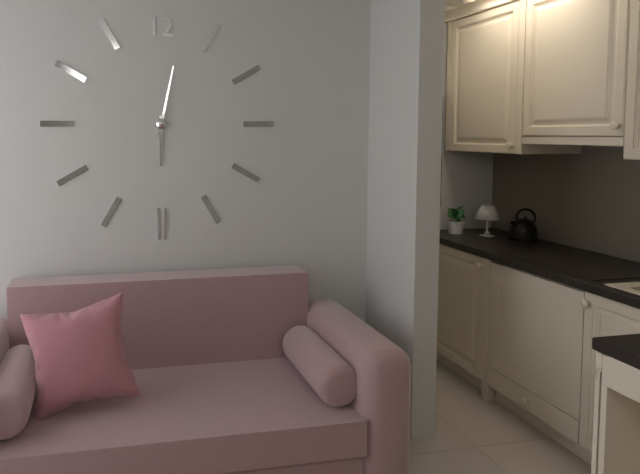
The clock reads 6:02
